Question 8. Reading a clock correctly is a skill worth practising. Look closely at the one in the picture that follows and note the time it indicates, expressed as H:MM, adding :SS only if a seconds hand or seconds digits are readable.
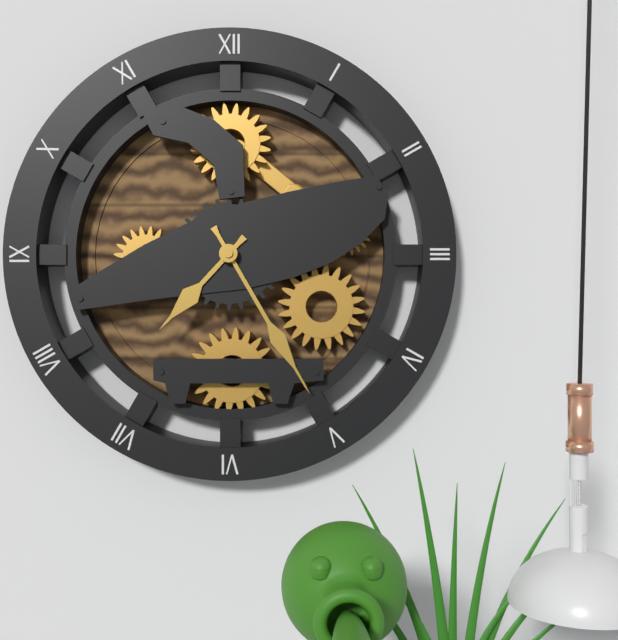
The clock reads 7:25
